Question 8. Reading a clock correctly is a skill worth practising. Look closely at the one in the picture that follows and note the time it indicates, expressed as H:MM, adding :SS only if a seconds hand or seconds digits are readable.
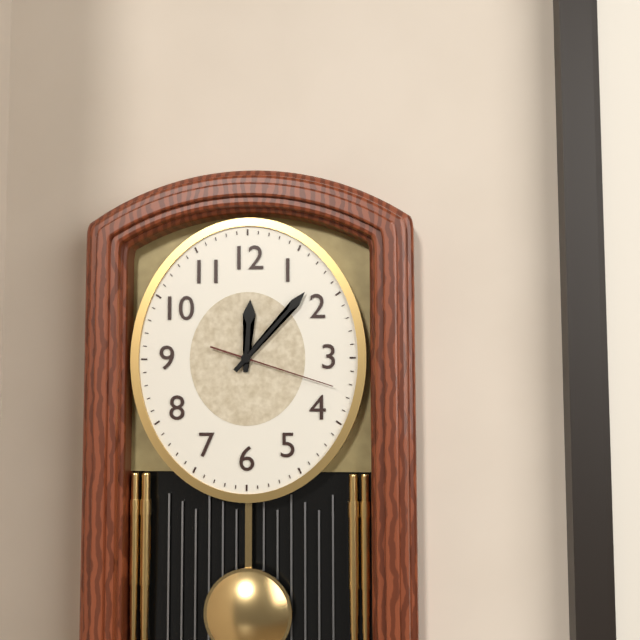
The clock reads 12:07:18
